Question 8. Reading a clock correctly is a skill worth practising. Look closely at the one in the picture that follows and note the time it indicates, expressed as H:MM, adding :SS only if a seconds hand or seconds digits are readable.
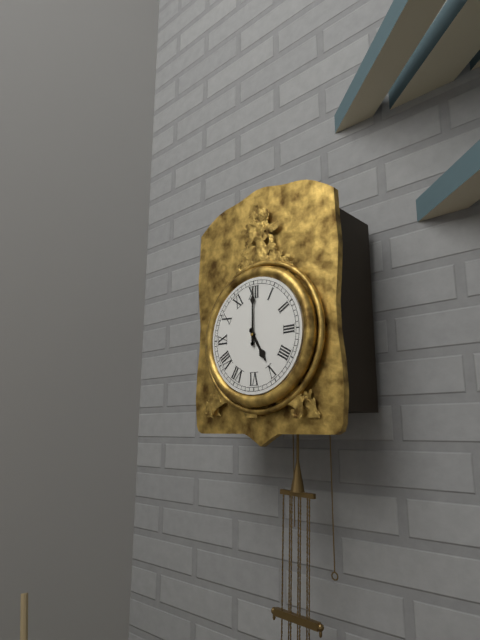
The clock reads 5:00
